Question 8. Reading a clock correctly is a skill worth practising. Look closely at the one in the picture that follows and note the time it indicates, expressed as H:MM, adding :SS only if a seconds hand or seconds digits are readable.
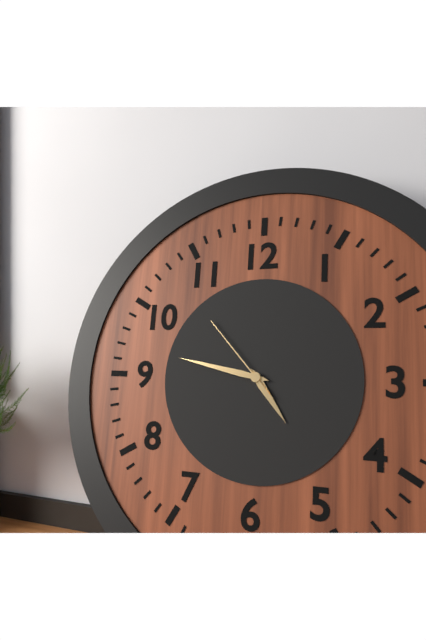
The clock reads 4:47:53
